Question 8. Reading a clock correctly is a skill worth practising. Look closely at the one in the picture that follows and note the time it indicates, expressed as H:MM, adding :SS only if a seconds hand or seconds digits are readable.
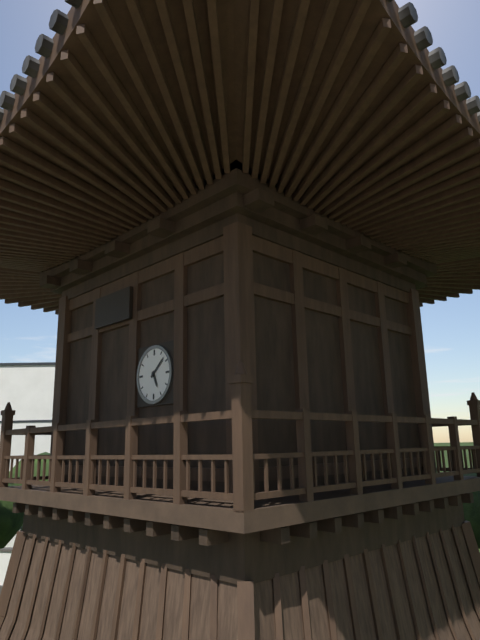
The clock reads 5:08
